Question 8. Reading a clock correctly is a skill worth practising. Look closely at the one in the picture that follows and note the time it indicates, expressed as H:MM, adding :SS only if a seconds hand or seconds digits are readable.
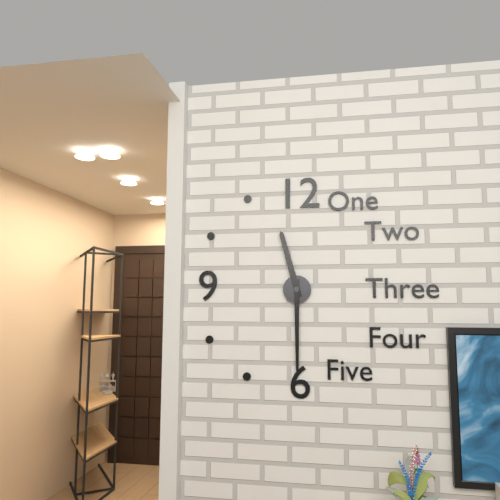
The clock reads 11:30
